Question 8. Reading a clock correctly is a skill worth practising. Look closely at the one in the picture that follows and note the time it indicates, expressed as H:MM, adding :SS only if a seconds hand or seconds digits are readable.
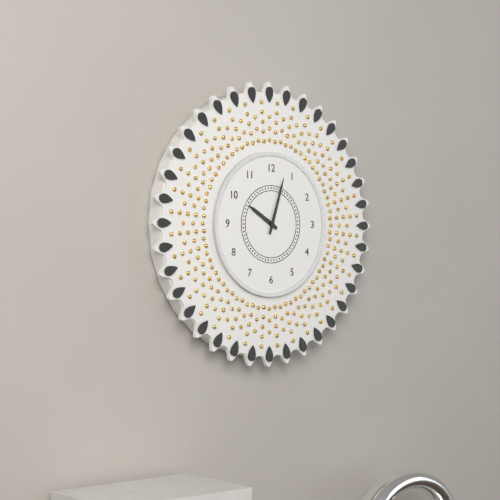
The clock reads 10:03
